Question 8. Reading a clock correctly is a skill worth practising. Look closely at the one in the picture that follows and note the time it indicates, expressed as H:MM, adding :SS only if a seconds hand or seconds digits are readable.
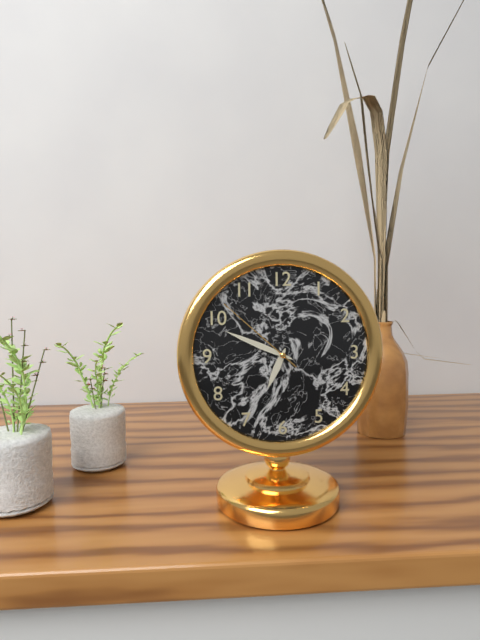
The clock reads 6:49:52
